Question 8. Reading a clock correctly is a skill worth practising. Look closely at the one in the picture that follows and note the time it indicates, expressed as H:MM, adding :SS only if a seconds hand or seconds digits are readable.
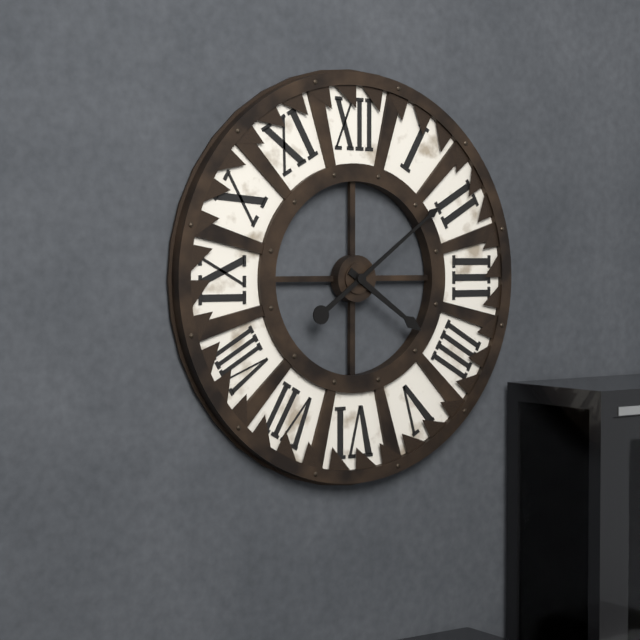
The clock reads 4:09
